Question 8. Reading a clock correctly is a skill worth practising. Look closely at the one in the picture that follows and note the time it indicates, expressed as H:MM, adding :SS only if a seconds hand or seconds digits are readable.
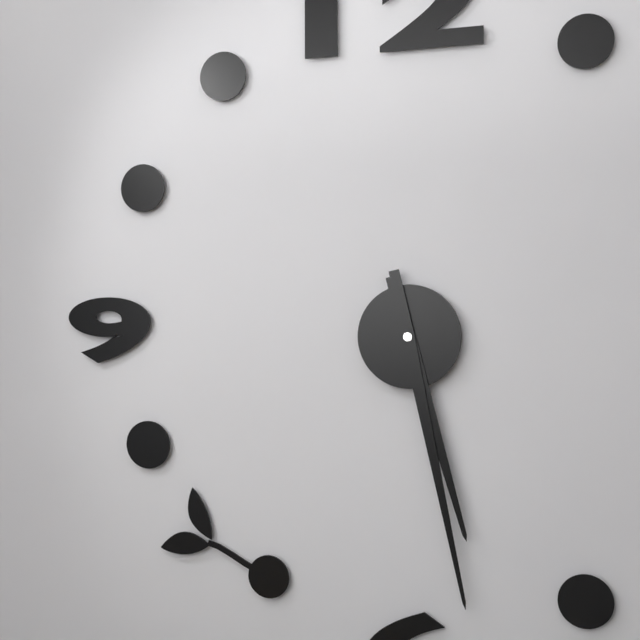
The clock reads 5:28
